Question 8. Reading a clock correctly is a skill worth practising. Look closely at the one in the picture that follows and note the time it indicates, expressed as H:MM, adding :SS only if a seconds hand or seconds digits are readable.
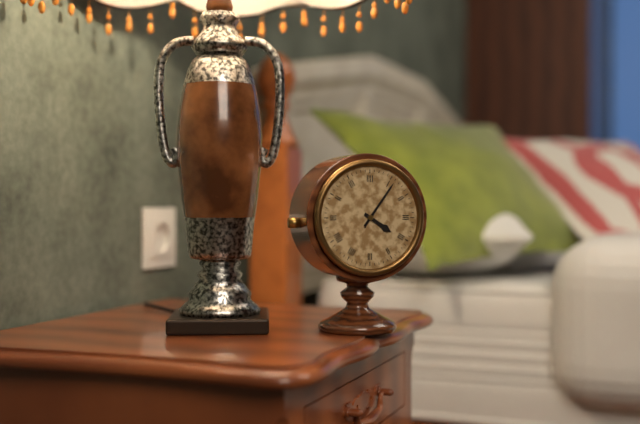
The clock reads 4:06
